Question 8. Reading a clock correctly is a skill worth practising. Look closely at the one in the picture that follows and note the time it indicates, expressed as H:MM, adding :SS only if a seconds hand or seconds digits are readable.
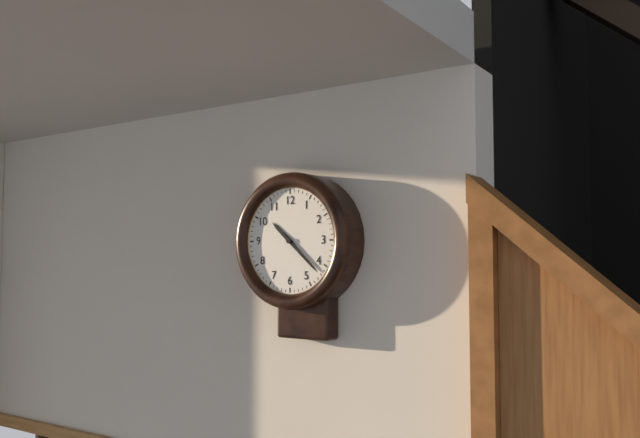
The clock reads 10:22
